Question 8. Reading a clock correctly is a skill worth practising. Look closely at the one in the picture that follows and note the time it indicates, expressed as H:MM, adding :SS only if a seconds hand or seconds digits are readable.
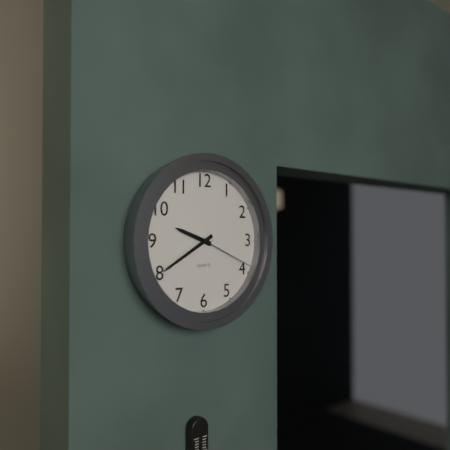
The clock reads 9:40:19
